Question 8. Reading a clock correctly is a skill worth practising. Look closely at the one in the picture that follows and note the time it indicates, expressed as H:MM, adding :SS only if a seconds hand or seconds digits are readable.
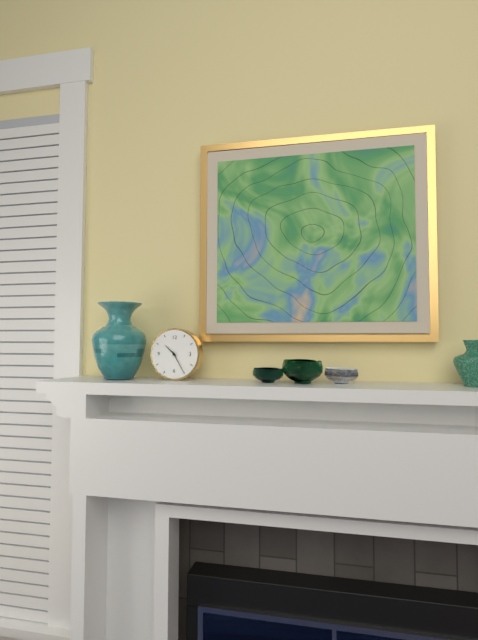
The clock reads 10:25
